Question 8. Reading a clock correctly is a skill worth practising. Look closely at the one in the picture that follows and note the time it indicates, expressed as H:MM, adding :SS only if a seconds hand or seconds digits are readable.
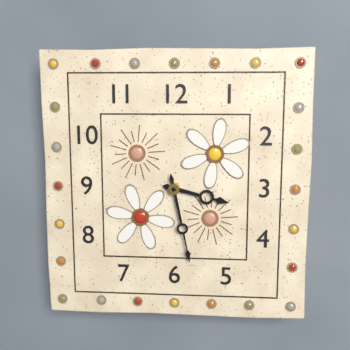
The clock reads 3:28
